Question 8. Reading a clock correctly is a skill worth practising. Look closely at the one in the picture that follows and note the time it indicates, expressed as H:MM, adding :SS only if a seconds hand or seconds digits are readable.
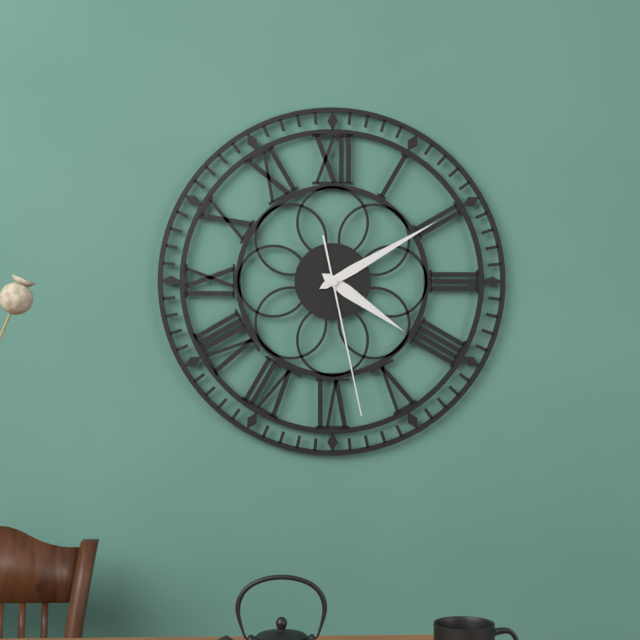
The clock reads 4:10:28
